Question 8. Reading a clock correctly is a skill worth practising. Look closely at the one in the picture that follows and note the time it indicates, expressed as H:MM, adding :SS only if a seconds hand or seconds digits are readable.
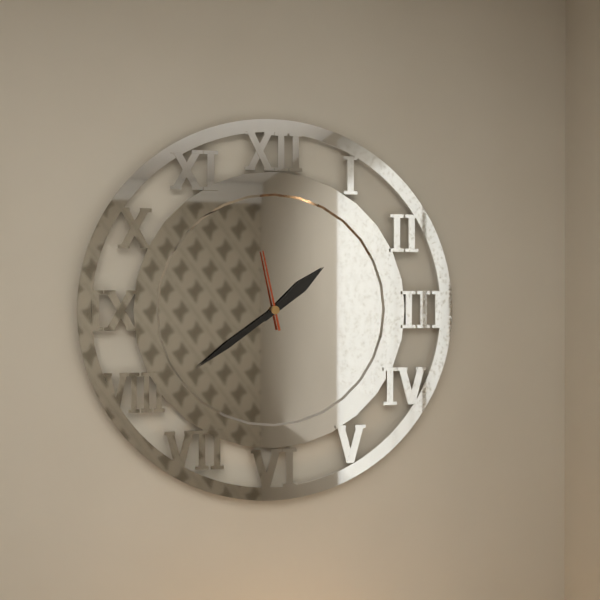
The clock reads 1:39:58
